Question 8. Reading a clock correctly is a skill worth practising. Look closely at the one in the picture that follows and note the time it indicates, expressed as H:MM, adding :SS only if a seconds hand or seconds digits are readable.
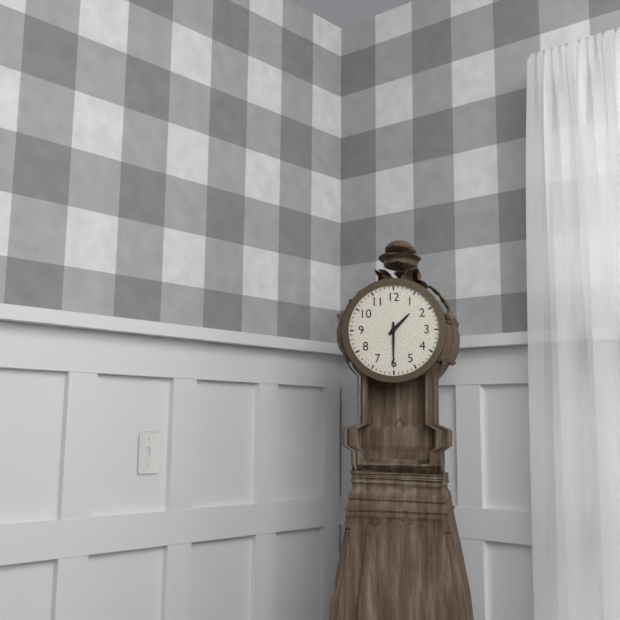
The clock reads 1:30
